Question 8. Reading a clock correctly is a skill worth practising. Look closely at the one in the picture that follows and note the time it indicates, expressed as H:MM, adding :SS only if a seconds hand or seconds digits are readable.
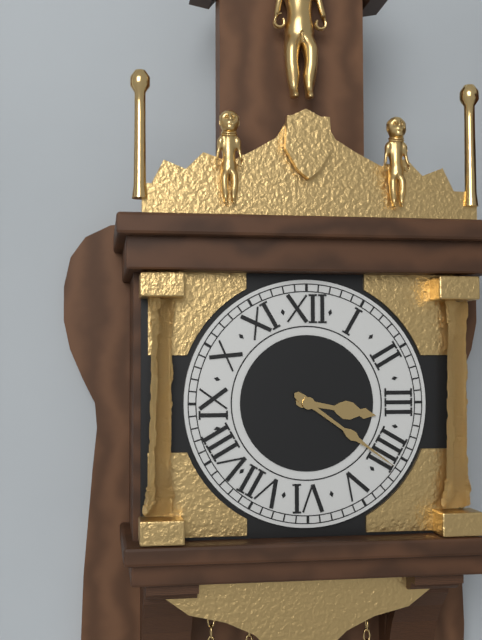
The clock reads 3:21
